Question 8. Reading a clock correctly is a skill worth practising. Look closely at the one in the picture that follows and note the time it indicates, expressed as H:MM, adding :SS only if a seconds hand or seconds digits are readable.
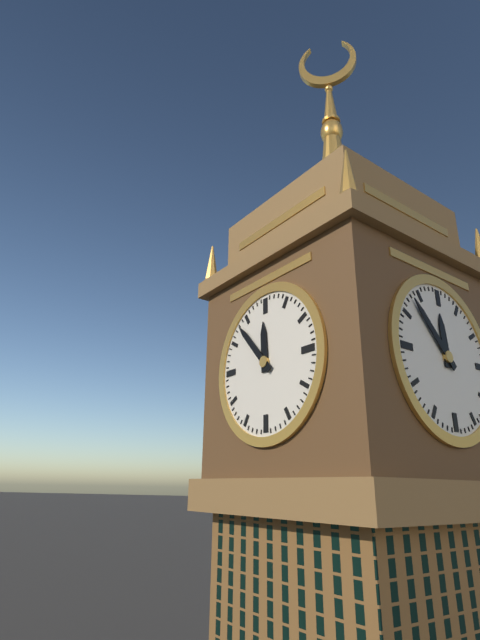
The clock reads 11:53
